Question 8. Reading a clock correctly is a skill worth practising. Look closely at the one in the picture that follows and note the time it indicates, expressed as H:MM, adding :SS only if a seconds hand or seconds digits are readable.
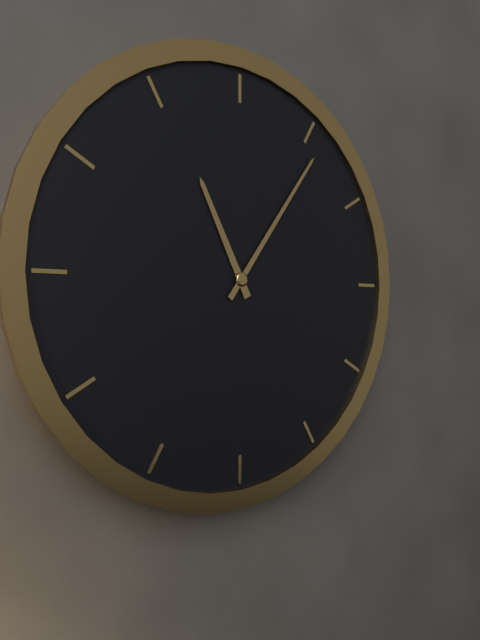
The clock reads 11:06
